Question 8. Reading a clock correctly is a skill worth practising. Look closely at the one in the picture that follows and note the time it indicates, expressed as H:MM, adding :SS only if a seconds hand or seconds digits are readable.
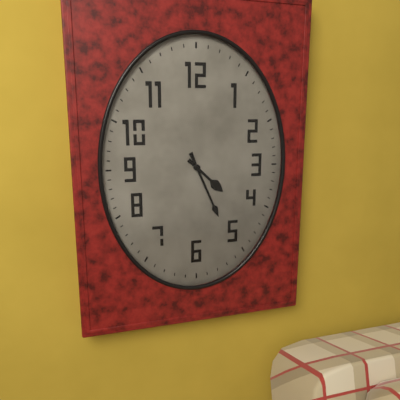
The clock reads 4:26
